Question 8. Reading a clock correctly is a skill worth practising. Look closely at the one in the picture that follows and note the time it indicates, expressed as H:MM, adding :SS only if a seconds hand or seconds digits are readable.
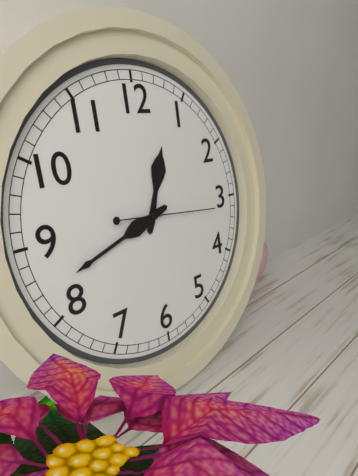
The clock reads 12:42:16
